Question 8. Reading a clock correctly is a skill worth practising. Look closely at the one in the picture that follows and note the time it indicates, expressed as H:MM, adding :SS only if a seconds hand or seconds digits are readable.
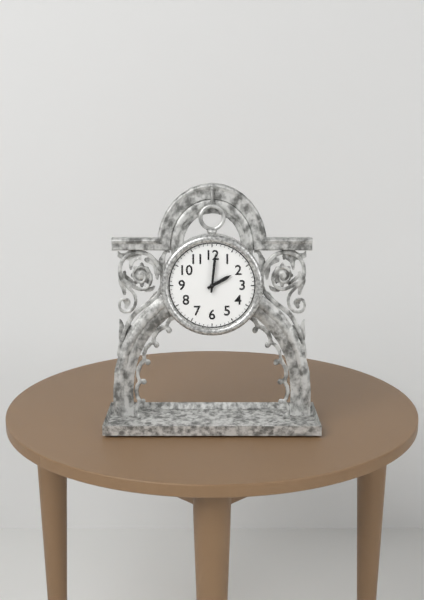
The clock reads 2:01
